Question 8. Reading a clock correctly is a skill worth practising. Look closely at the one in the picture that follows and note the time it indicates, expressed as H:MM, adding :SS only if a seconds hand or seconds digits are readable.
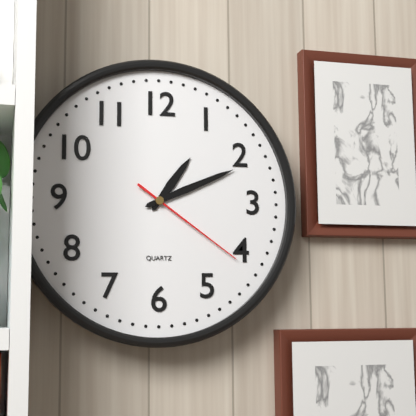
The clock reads 1:11:21
